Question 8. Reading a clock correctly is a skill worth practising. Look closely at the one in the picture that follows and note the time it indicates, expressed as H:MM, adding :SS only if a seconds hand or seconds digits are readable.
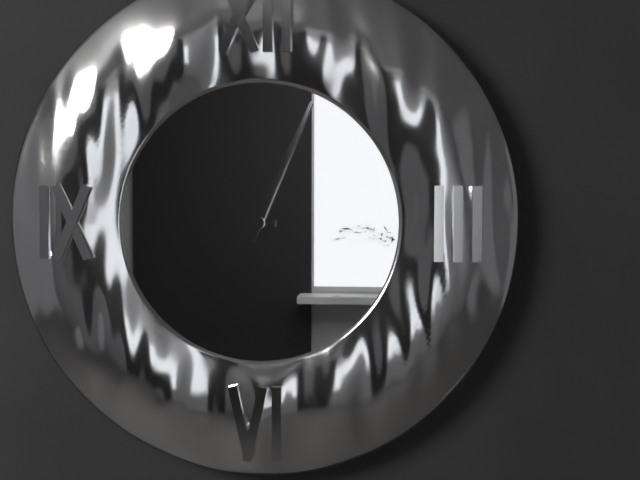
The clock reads 9:04
